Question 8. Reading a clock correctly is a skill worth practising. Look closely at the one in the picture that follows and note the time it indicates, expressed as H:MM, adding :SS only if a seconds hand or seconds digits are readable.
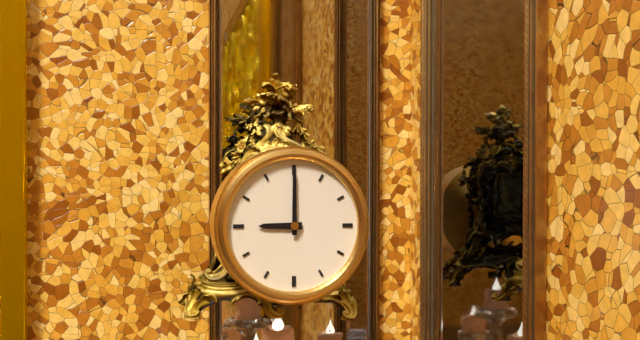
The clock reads 9:00
